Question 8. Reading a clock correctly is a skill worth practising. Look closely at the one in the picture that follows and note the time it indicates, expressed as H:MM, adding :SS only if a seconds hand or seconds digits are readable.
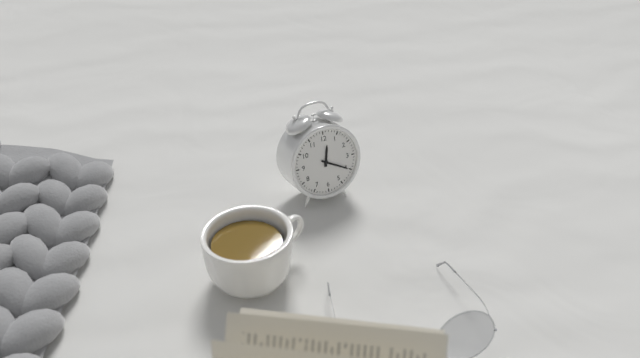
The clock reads 12:20
